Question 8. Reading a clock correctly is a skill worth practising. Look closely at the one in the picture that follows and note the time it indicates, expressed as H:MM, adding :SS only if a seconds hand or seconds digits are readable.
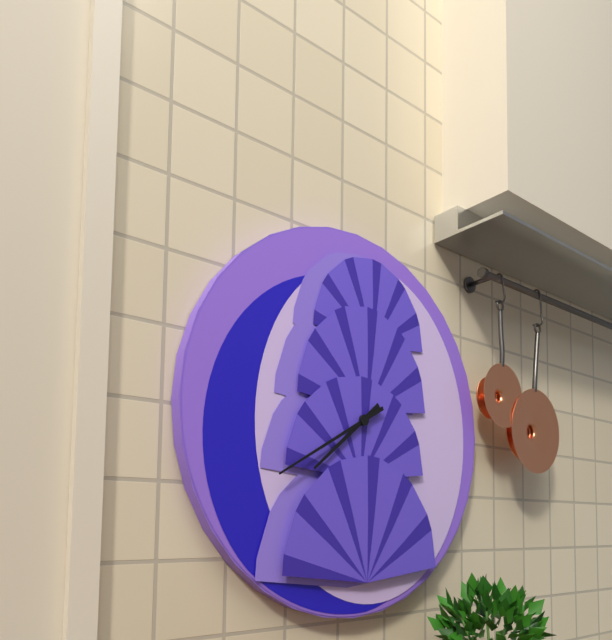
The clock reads 7:40
